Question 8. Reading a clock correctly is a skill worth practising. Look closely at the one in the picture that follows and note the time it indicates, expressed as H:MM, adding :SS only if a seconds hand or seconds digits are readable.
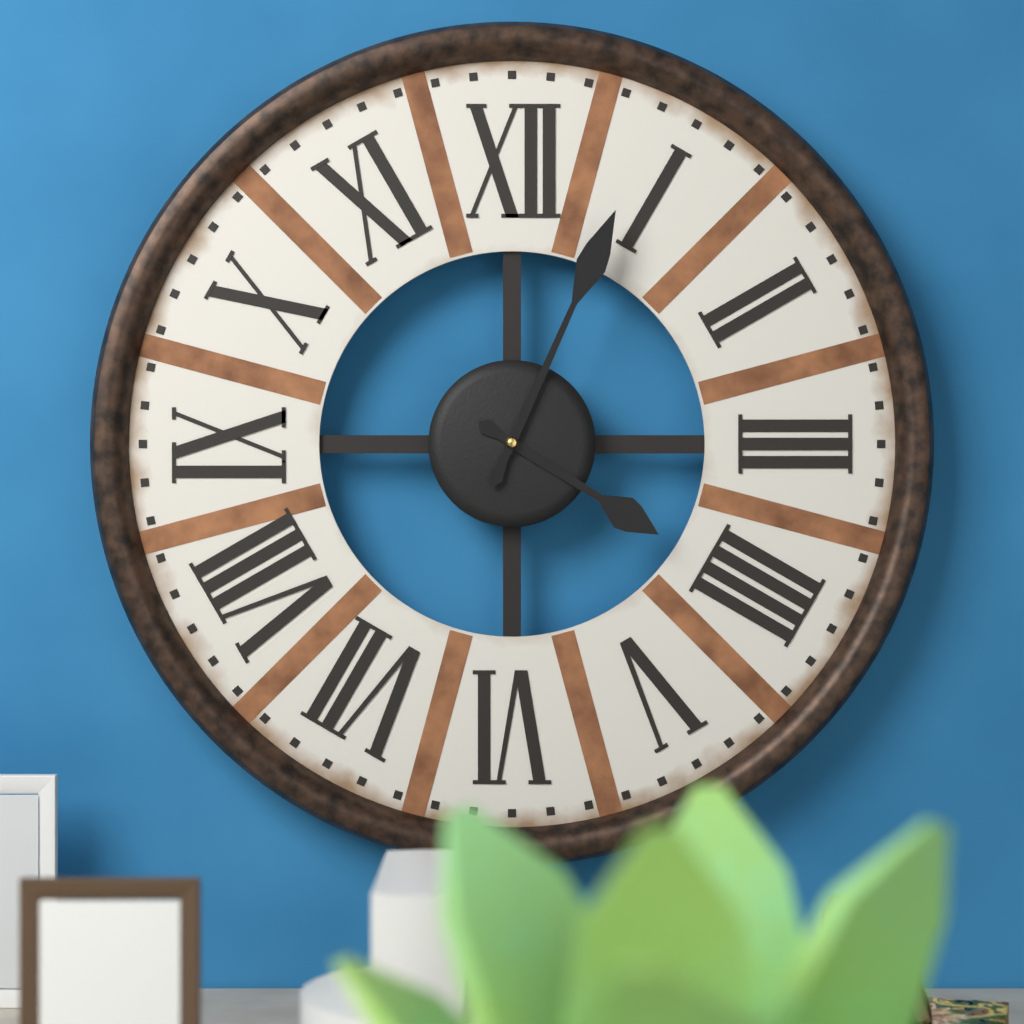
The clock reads 4:04
